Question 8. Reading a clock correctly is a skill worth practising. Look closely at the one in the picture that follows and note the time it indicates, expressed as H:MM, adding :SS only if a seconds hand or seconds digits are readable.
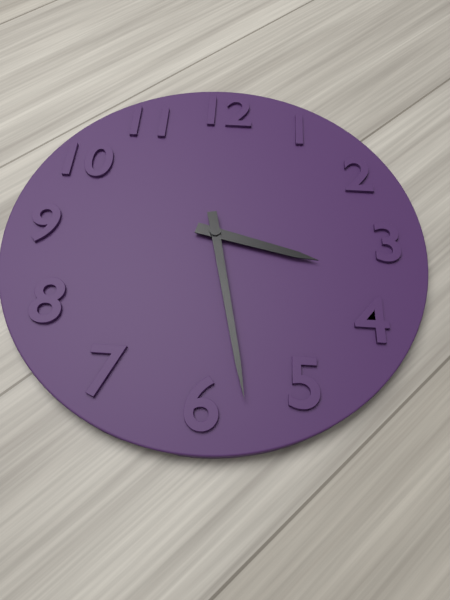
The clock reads 3:28
